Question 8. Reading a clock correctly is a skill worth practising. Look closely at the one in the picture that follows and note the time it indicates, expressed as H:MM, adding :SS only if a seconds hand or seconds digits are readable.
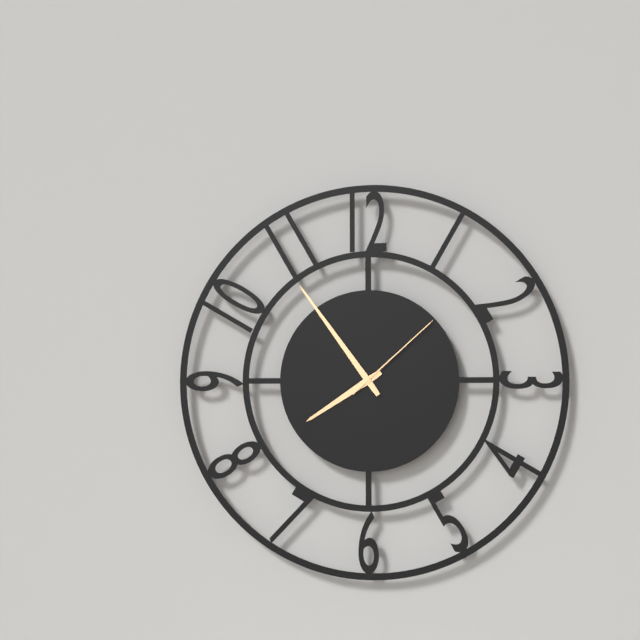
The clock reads 7:54:08
